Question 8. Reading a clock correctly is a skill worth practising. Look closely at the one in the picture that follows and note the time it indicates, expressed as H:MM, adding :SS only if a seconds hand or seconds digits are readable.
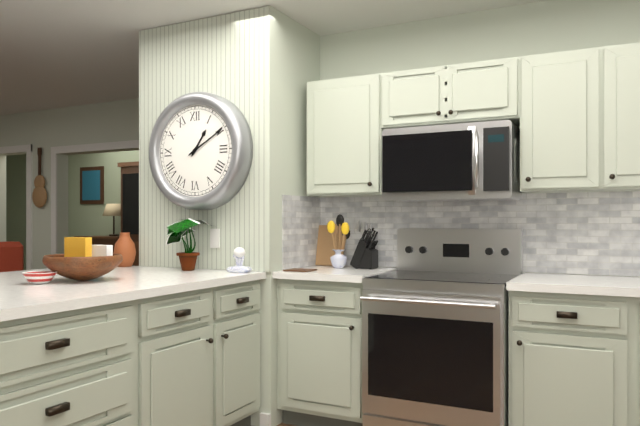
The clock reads 1:10
